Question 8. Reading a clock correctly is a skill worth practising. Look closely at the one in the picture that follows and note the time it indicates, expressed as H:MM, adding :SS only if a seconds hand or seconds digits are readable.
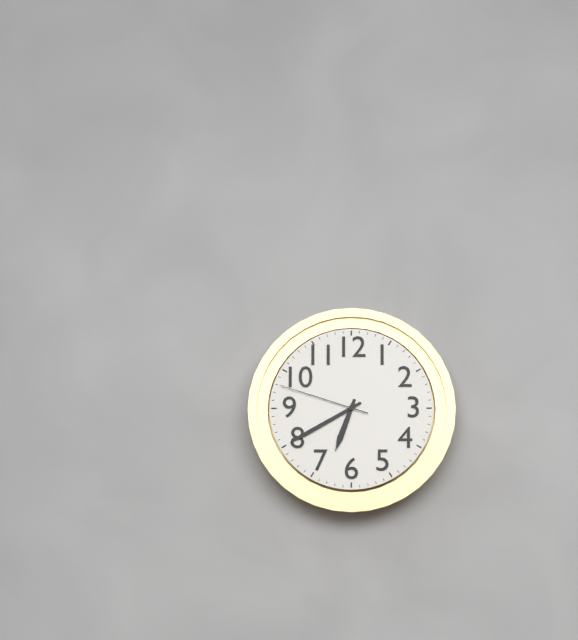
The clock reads 6:40:48
